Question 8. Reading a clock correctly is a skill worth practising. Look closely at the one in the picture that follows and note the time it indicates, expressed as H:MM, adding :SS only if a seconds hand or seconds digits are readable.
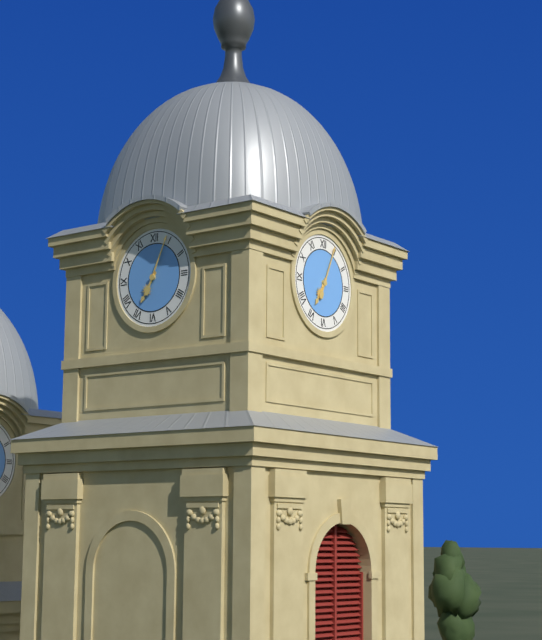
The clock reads 7:04
